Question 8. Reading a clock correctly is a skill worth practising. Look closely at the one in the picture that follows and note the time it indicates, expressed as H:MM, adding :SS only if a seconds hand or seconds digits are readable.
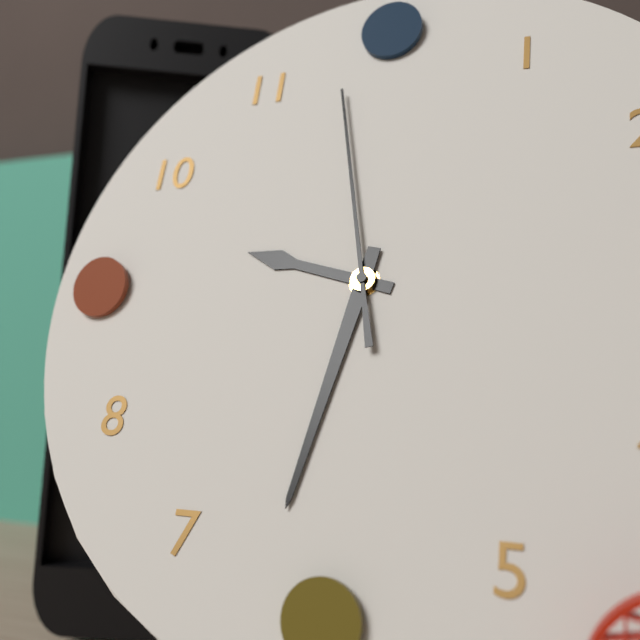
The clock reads 9:32:58
